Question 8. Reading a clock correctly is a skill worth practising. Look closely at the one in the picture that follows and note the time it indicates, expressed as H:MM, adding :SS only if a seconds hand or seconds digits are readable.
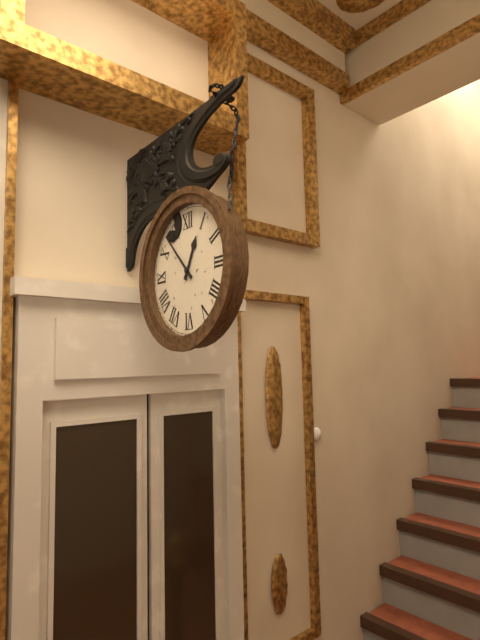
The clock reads 12:53
